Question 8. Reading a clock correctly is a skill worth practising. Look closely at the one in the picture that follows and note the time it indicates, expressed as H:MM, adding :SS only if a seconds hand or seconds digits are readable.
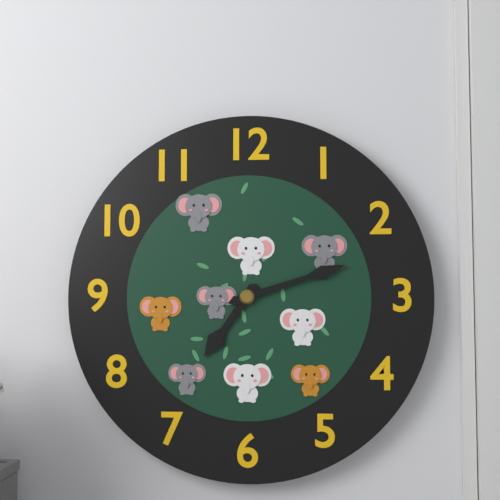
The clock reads 7:12
